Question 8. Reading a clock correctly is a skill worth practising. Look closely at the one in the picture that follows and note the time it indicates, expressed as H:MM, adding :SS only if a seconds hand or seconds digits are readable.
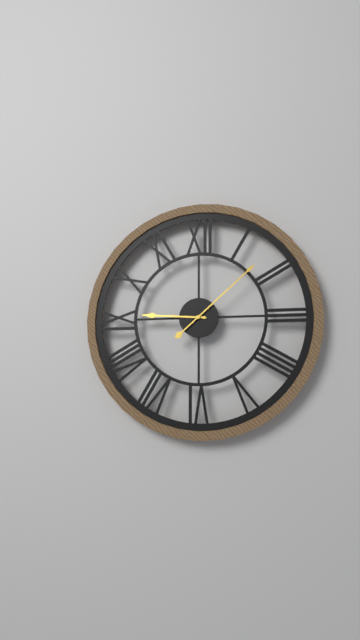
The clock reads 9:08
